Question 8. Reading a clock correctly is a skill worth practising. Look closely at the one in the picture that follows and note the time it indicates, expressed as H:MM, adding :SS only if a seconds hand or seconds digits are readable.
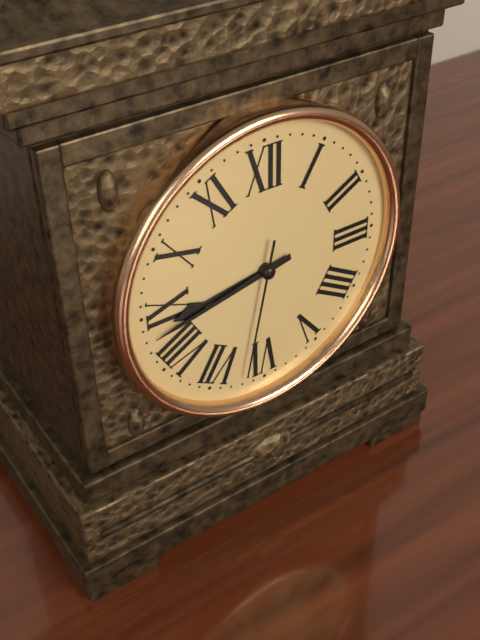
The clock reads 8:43:32
